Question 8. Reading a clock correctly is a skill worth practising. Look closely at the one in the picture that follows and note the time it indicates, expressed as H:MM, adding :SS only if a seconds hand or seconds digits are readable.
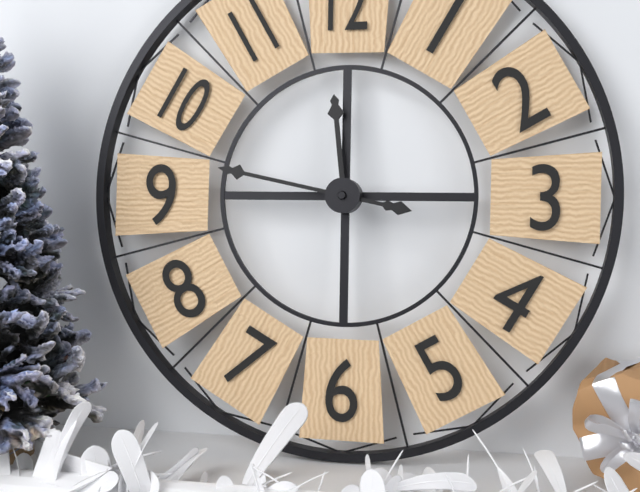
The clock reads 11:47
